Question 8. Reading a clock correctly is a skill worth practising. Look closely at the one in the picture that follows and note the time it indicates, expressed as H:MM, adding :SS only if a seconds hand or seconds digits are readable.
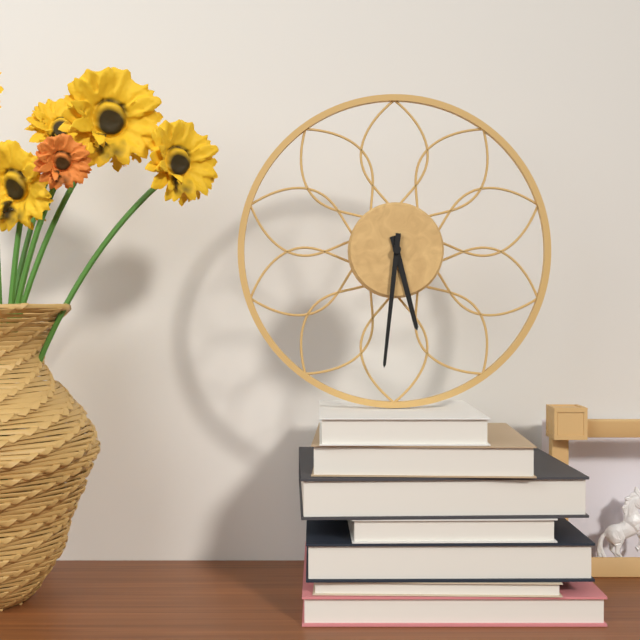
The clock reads 5:31
